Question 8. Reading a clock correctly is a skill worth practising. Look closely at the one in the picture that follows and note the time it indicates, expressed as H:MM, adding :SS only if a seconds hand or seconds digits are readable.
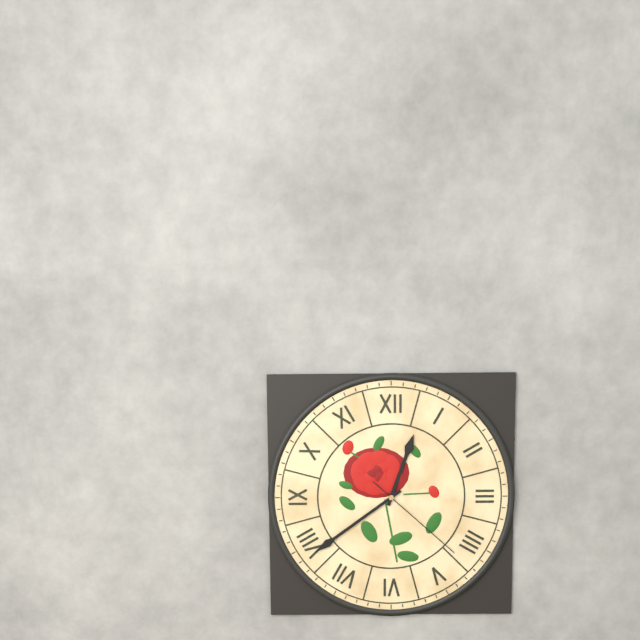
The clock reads 12:39:22
